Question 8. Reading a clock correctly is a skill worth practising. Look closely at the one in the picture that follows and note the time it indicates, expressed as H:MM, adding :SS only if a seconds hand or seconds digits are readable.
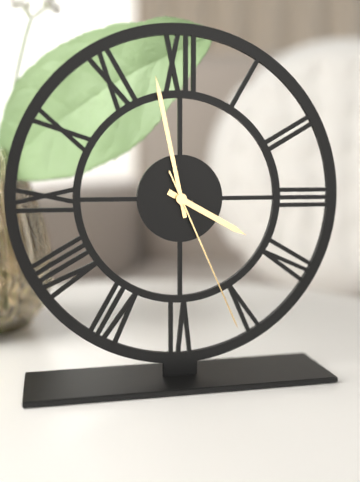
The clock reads 3:58:26
